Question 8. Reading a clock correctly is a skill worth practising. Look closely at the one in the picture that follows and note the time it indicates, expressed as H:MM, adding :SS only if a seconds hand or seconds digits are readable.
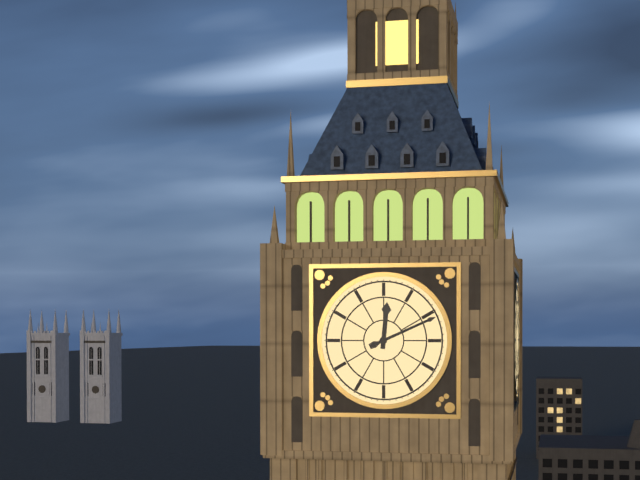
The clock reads 12:11
